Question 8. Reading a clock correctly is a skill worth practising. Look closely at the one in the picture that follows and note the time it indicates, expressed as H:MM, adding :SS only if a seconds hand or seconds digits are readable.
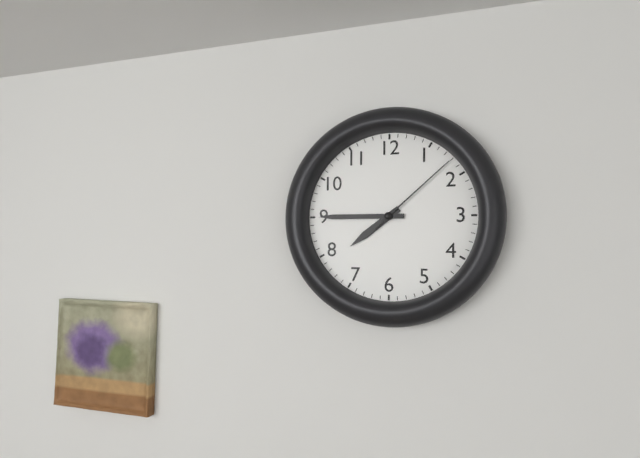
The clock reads 7:45:08
